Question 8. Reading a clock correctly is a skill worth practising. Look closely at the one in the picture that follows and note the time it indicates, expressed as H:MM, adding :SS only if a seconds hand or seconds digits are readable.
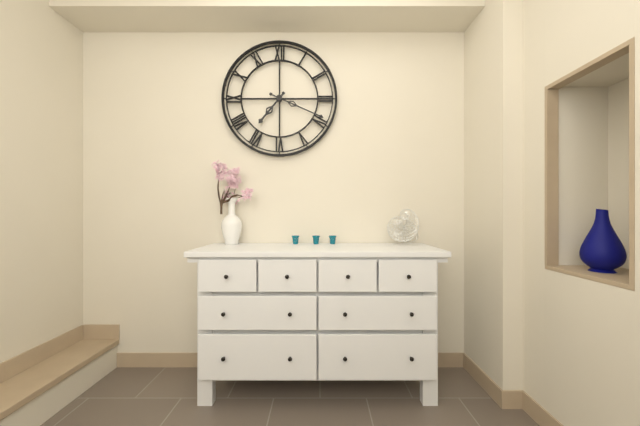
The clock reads 7:19
